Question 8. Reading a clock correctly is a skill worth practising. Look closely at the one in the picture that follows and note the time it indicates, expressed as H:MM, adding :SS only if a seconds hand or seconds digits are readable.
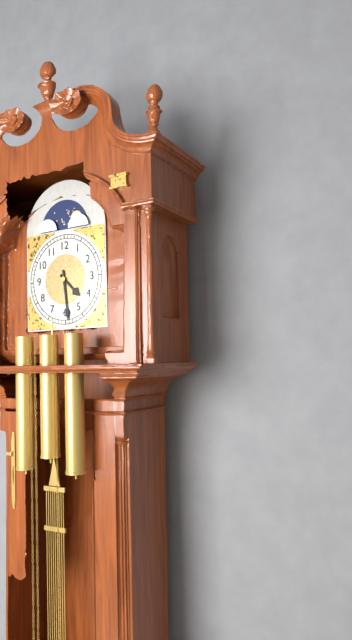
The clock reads 4:29
